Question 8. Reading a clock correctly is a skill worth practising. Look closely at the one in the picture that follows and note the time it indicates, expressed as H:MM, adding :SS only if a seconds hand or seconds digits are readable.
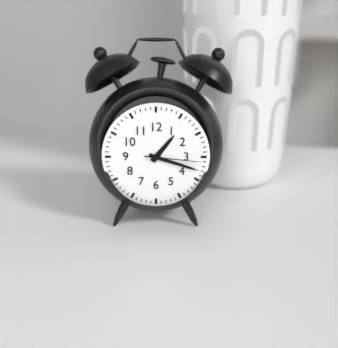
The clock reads 1:18:16
